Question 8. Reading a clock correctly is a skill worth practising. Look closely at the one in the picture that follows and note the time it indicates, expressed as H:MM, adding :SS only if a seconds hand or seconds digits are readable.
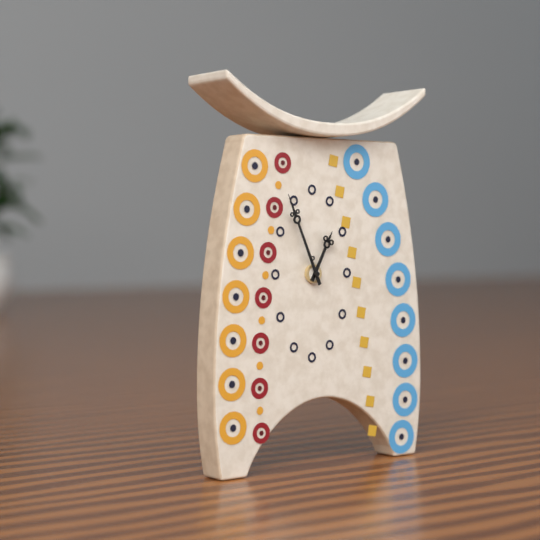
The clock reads 12:56
